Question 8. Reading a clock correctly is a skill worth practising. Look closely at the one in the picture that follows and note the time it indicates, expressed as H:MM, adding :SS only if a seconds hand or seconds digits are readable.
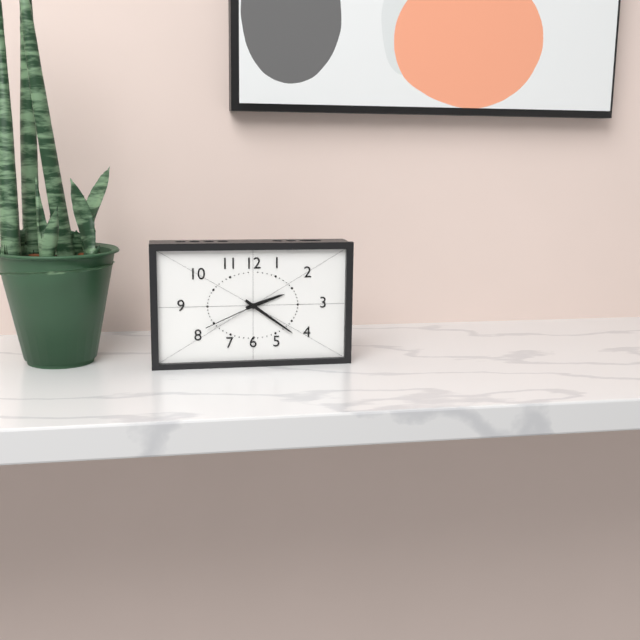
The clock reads 2:21:41
